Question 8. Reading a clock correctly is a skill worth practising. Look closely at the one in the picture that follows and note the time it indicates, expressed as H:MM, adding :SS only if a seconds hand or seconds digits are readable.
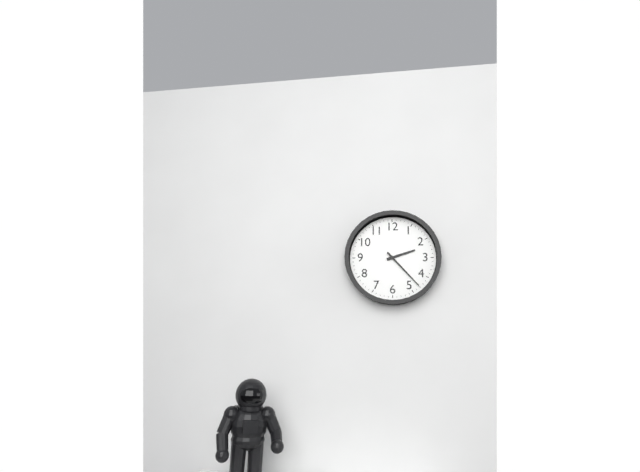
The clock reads 2:23
